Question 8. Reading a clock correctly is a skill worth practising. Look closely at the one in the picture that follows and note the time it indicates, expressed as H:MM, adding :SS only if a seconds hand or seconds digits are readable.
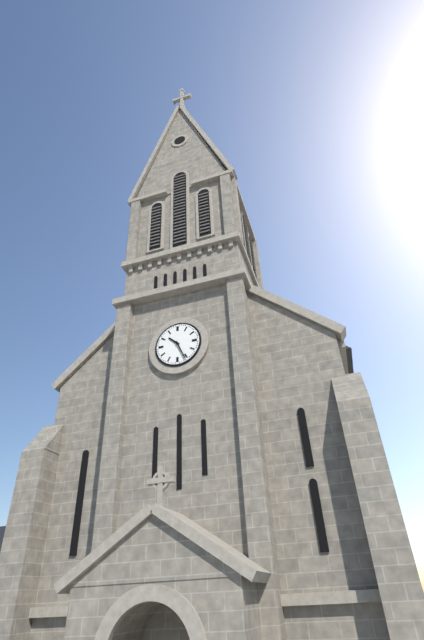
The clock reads 10:26
